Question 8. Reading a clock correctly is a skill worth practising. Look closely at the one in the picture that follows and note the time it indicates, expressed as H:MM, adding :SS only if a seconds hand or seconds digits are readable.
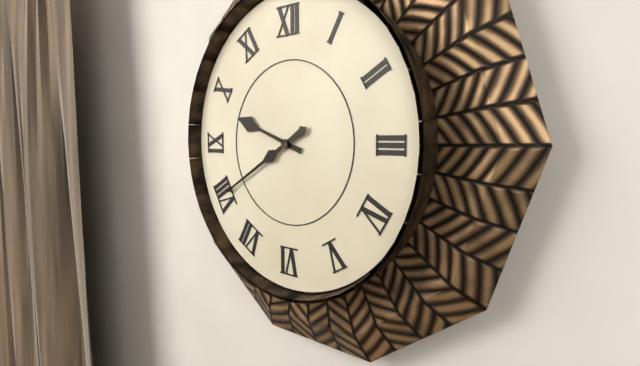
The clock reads 9:40
